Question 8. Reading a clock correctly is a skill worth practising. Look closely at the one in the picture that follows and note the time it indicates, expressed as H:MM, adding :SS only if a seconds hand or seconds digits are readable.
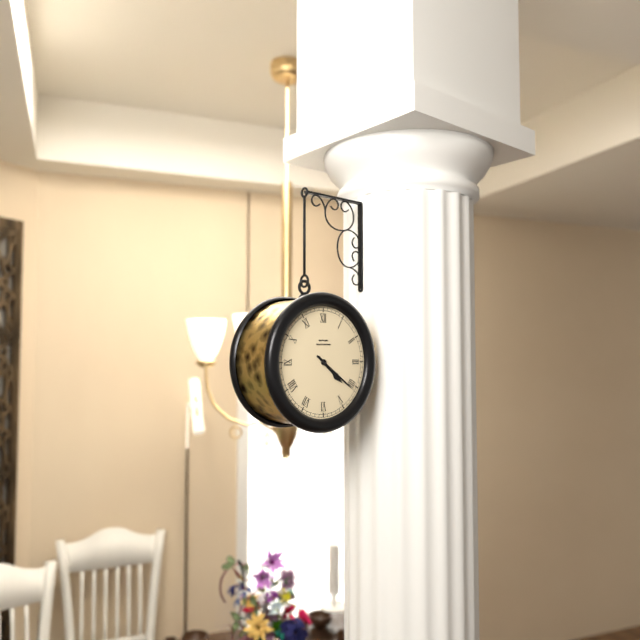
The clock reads 4:21
